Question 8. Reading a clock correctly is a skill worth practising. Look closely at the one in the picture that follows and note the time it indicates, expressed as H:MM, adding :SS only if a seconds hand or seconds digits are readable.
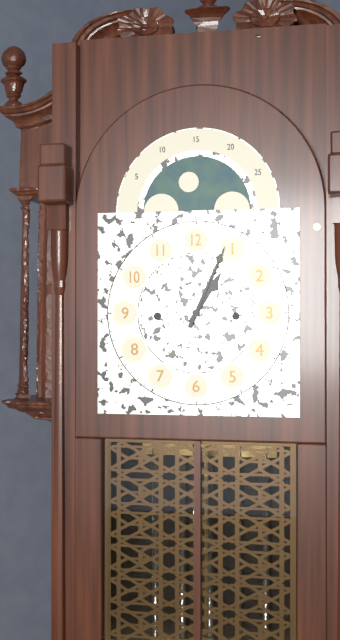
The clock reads 1:04
